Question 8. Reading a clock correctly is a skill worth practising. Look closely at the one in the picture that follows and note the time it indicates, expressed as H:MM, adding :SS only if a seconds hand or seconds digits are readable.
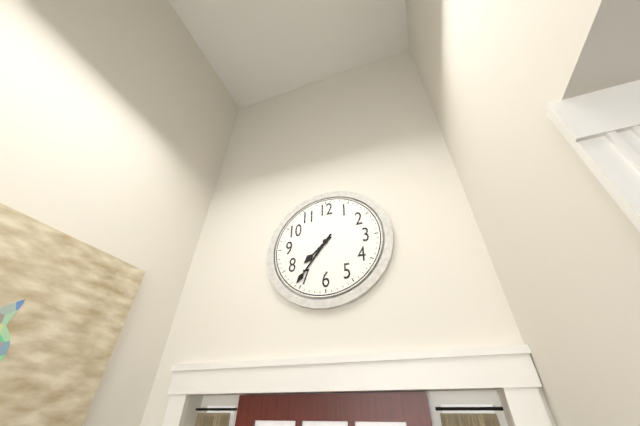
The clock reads 7:36
